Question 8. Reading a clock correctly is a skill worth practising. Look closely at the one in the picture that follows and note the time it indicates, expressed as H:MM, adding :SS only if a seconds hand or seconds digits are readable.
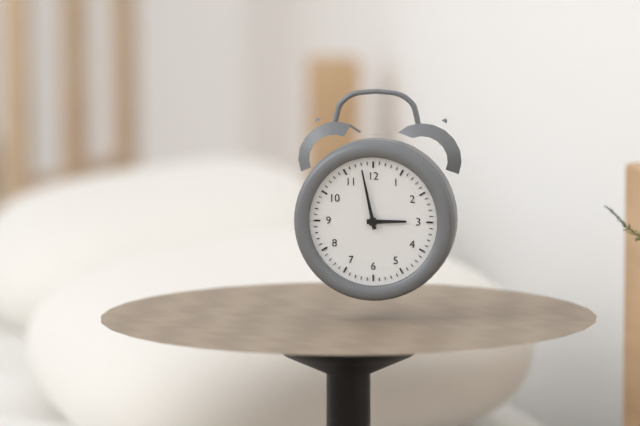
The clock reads 2:58
